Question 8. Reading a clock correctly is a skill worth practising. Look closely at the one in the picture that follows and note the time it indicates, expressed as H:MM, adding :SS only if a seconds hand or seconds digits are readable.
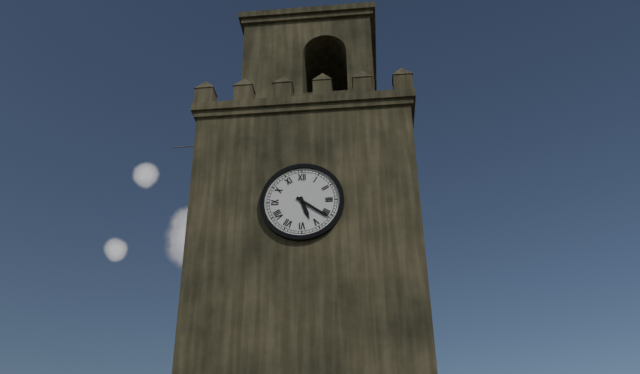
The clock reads 5:21
